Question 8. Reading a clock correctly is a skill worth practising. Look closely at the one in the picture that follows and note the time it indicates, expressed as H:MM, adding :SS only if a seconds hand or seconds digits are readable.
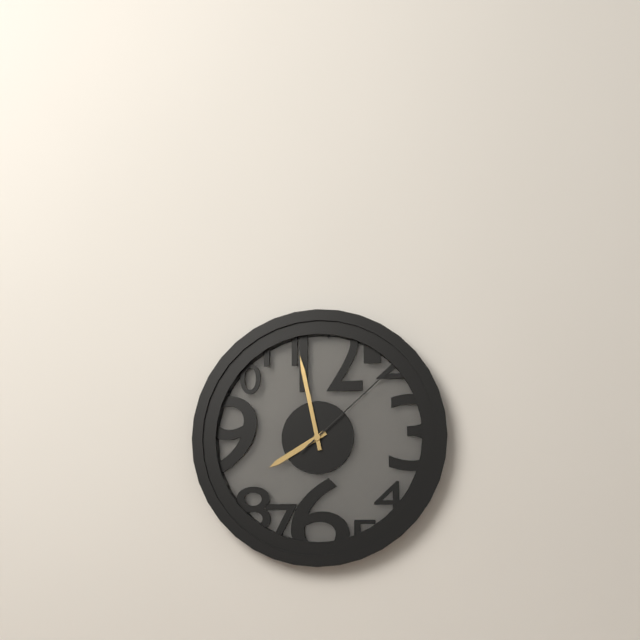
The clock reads 7:58:08
